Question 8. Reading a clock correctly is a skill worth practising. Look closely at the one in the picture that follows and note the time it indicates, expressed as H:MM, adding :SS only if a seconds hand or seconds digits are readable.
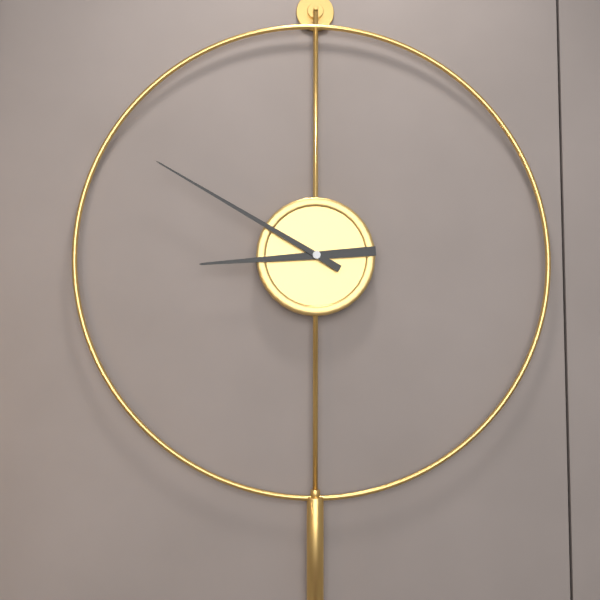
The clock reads 8:50
